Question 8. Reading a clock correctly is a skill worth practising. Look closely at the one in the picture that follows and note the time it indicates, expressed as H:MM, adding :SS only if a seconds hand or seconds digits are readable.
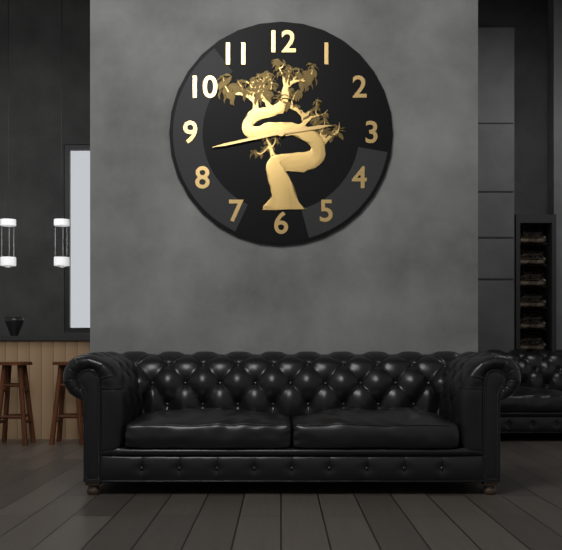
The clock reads 2:43
